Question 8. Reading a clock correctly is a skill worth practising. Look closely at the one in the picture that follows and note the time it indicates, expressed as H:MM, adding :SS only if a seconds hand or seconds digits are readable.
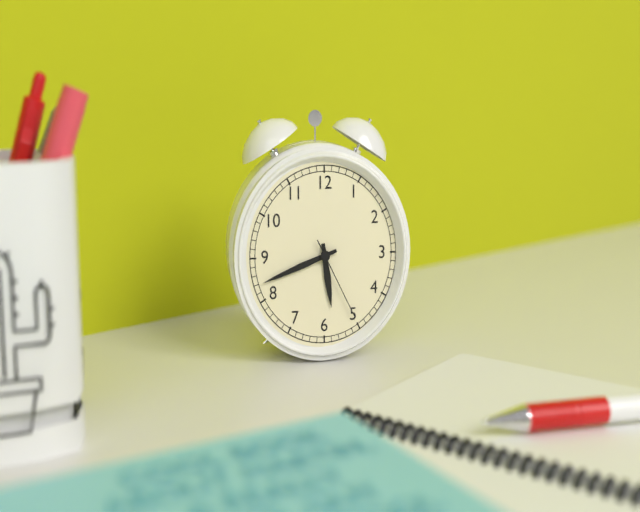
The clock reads 5:42:25
